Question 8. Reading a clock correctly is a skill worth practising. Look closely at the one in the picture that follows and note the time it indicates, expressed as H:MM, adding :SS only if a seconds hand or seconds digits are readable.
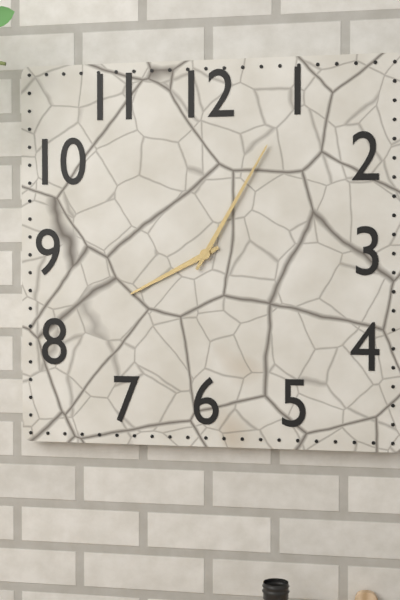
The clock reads 8:05
